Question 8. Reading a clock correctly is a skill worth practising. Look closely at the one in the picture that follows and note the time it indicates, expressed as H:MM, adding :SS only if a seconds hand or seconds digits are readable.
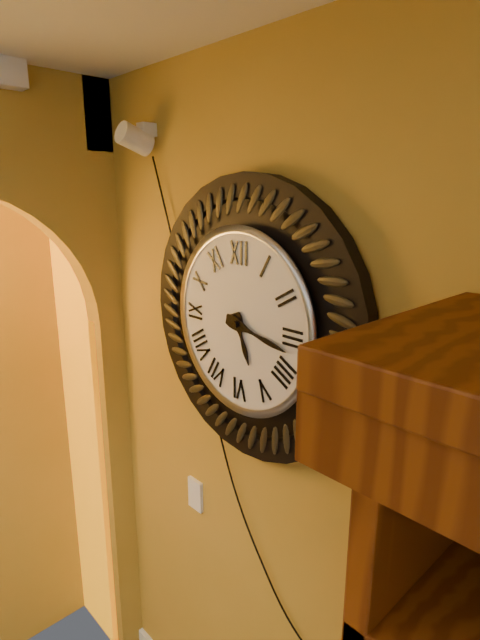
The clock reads 5:17
